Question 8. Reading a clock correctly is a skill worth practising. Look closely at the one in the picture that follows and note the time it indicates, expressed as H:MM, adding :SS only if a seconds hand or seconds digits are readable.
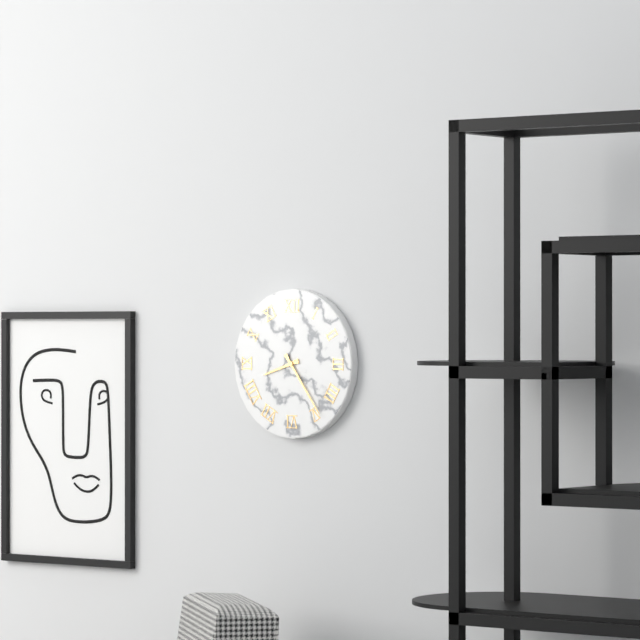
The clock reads 8:24
